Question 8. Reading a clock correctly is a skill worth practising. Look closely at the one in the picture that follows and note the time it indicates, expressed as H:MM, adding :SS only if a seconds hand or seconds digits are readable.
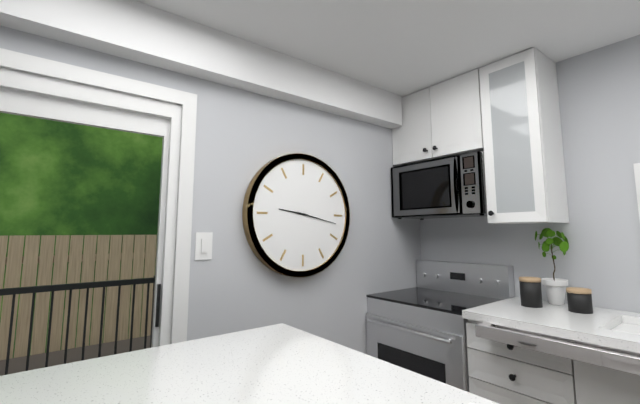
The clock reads 9:17
